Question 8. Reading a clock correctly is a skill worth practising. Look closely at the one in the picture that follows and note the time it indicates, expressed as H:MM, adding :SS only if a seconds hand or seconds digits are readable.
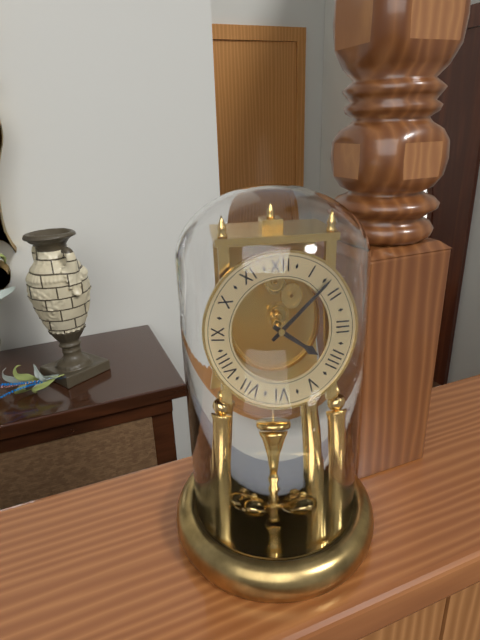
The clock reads 4:08
